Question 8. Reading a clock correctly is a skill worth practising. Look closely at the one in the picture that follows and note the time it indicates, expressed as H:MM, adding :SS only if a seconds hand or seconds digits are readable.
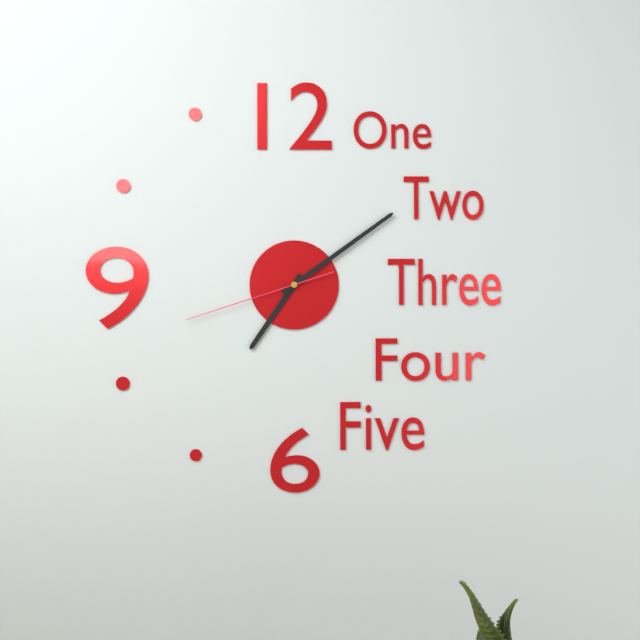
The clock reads 7:09:42
